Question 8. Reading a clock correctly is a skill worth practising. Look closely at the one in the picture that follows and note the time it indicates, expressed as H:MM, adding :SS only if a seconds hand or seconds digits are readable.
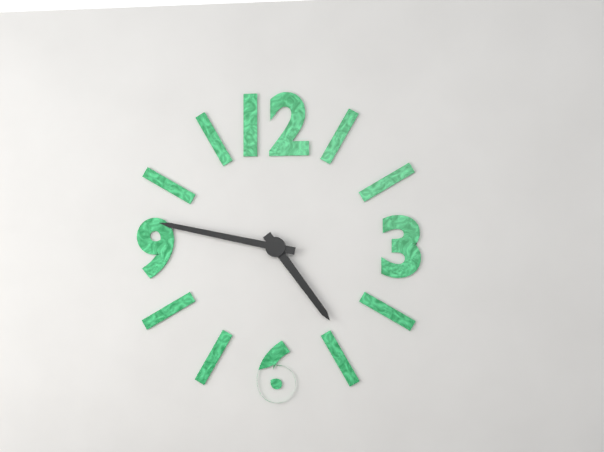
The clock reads 4:47
